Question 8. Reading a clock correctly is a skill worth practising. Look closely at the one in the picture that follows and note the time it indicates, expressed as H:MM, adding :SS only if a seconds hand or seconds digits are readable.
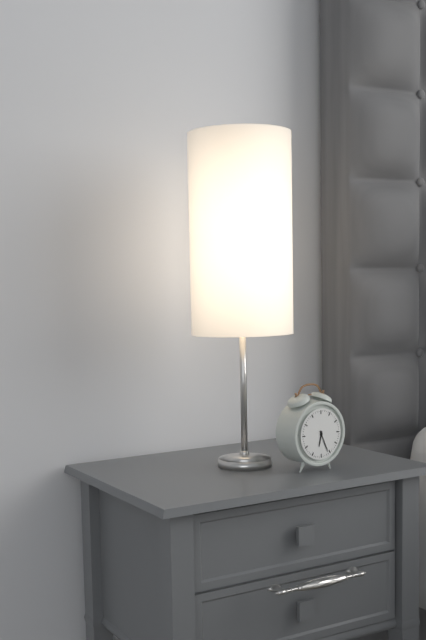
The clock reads 6:26
